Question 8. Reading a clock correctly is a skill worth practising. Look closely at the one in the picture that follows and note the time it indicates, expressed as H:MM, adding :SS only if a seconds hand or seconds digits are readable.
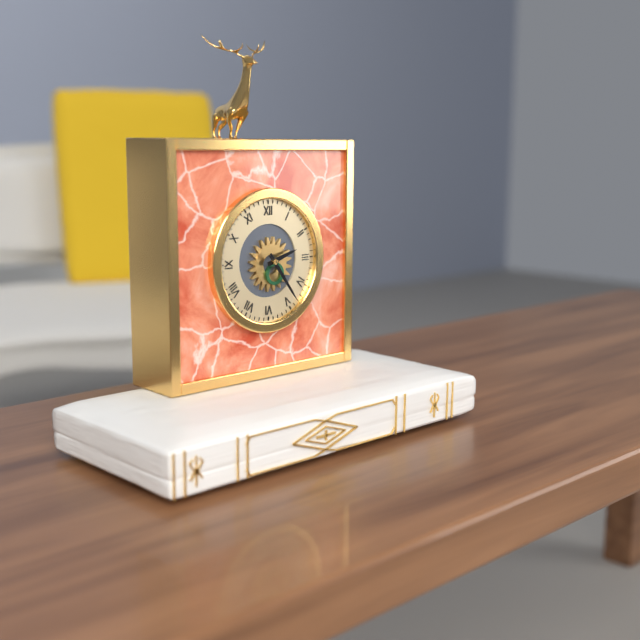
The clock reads 2:24
